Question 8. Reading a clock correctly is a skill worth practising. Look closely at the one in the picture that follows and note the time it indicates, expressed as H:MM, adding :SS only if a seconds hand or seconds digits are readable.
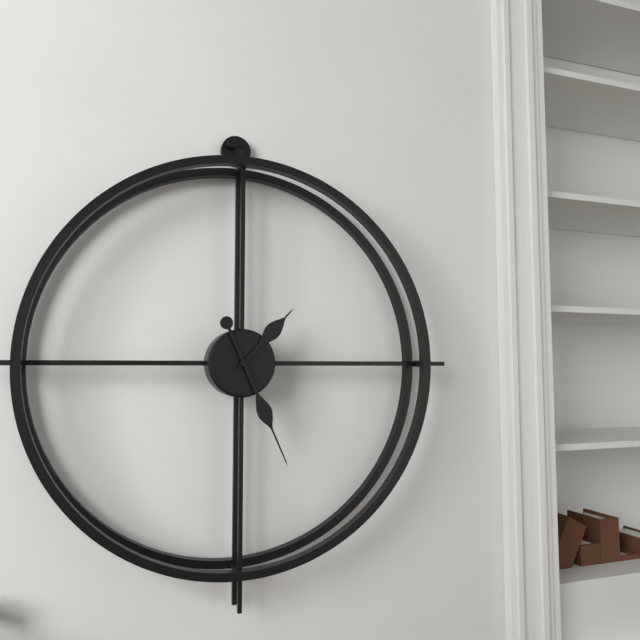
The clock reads 1:26
